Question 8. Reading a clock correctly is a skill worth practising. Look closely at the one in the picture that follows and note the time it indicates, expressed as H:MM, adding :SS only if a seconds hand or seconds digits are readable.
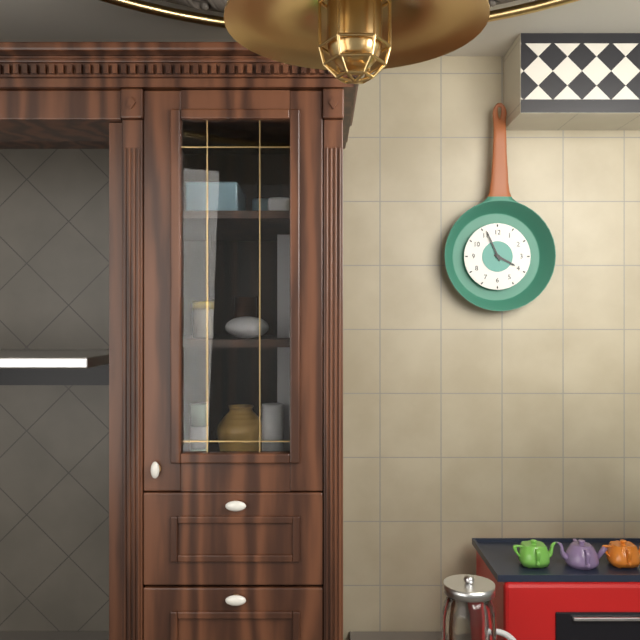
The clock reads 3:56
